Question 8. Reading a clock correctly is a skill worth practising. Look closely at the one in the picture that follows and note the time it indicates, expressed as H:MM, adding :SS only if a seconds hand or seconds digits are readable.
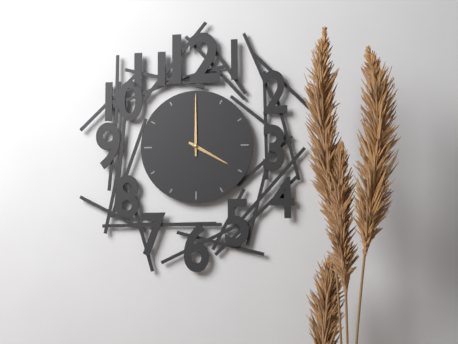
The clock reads 4:00
